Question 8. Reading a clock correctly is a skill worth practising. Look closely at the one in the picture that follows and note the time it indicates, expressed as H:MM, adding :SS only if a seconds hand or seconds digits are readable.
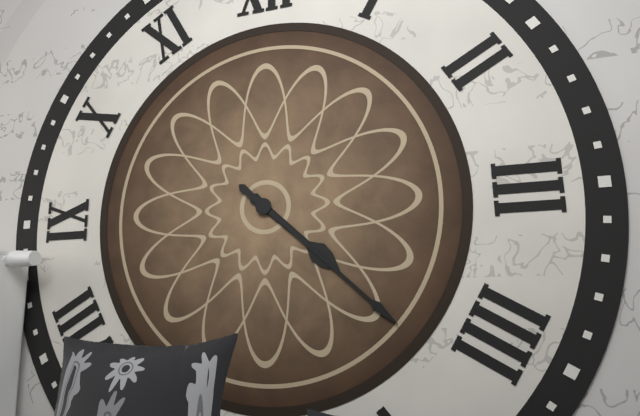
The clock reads 4:22
